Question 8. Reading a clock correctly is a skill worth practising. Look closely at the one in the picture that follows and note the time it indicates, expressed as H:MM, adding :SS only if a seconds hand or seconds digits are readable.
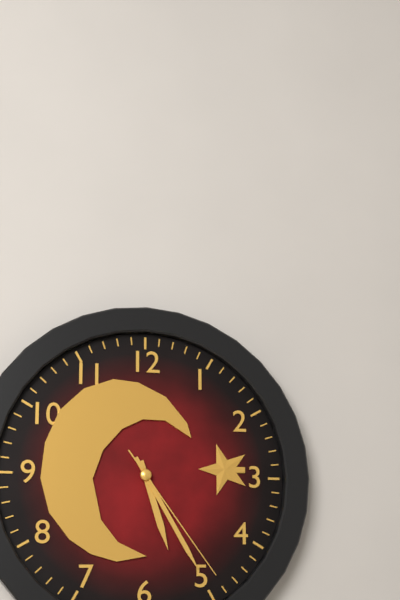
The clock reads 5:25:24
